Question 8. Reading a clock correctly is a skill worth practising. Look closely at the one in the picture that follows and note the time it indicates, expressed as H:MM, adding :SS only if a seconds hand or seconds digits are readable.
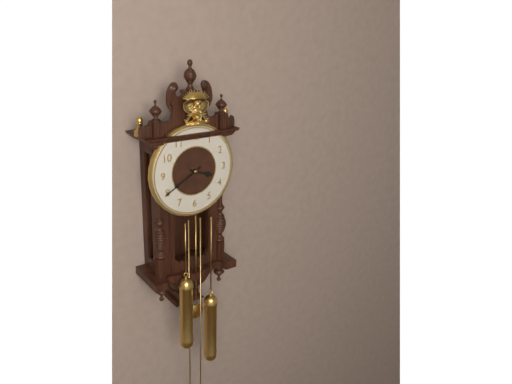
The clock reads 3:40
